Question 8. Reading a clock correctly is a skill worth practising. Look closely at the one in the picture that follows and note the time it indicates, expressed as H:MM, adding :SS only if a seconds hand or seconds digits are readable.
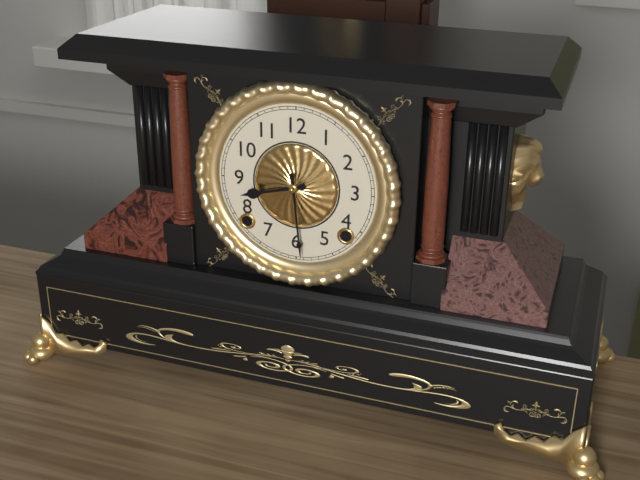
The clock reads 8:29
